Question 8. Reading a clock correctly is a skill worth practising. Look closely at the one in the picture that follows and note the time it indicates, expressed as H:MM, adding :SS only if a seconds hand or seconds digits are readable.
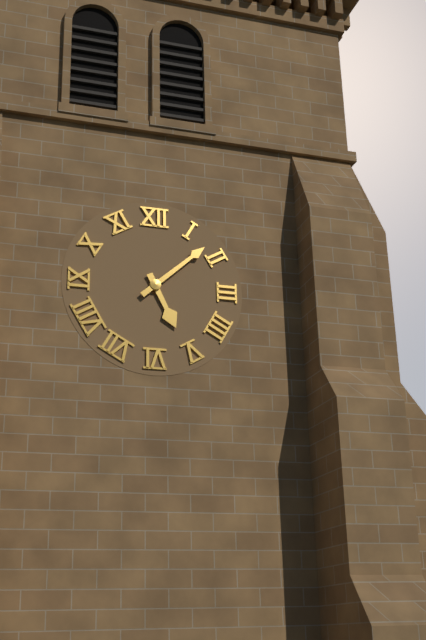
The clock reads 5:08
